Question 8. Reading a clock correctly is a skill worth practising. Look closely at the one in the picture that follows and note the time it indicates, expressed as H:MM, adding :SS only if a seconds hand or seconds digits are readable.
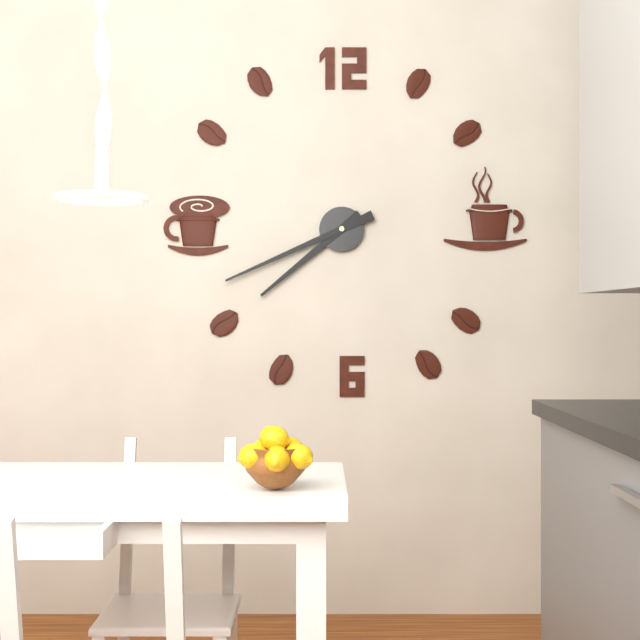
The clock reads 7:41
